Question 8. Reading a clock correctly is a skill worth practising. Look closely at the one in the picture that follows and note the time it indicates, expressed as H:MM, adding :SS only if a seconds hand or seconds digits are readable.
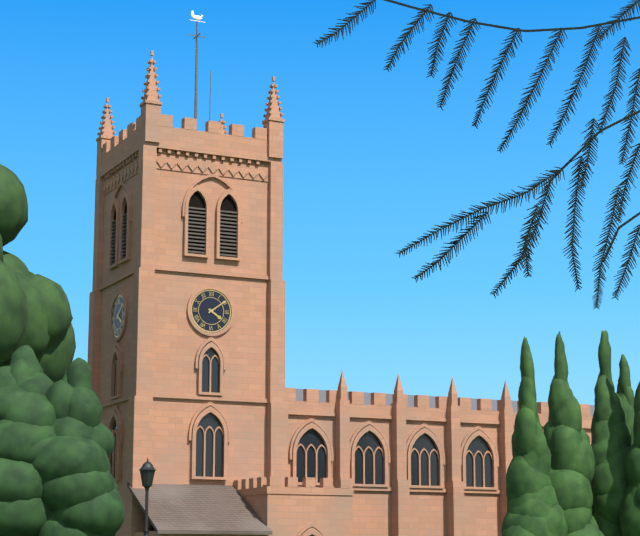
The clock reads 4:09
